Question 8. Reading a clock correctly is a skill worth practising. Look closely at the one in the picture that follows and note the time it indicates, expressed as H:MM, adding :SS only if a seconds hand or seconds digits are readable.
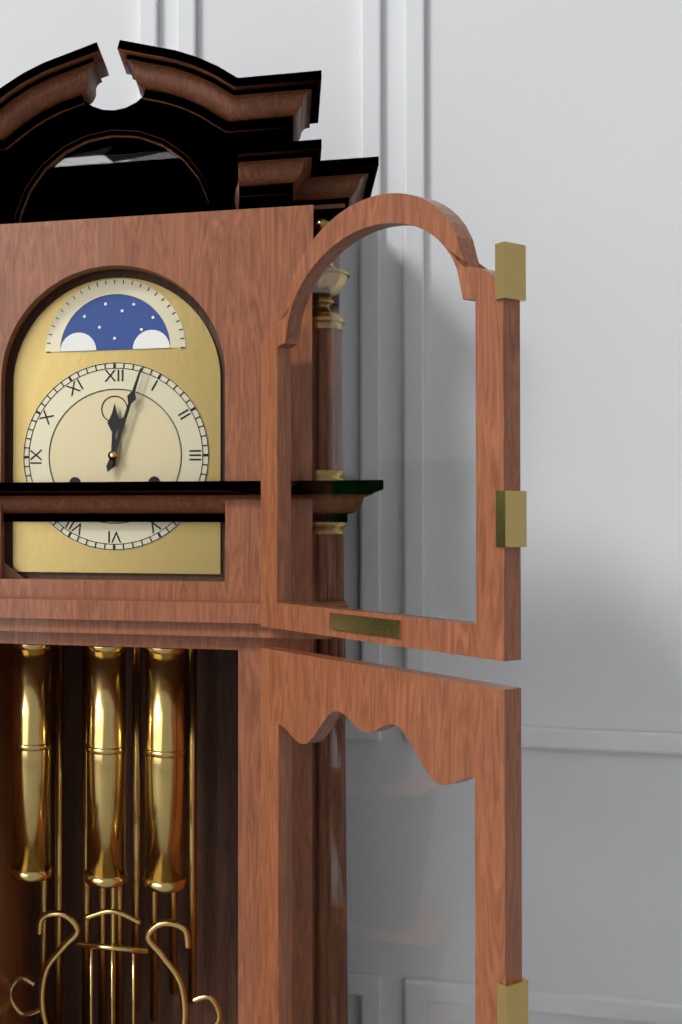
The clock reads 12:03
